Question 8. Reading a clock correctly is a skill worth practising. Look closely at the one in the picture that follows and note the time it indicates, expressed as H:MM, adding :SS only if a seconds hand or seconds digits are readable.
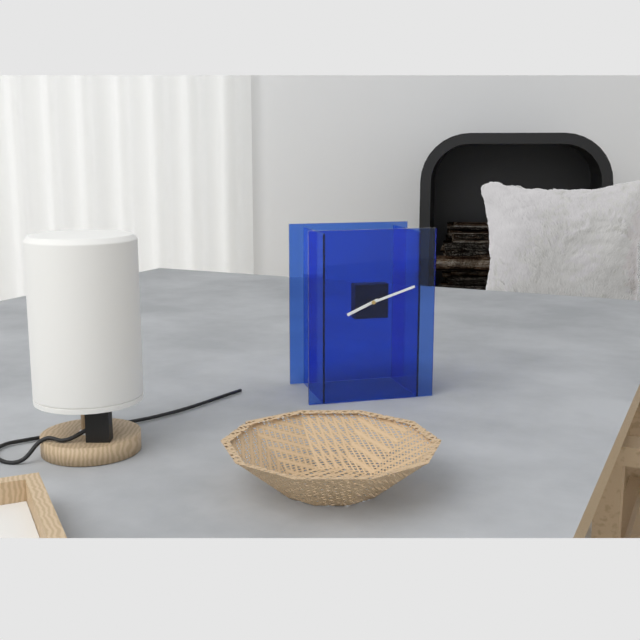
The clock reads 8:12
